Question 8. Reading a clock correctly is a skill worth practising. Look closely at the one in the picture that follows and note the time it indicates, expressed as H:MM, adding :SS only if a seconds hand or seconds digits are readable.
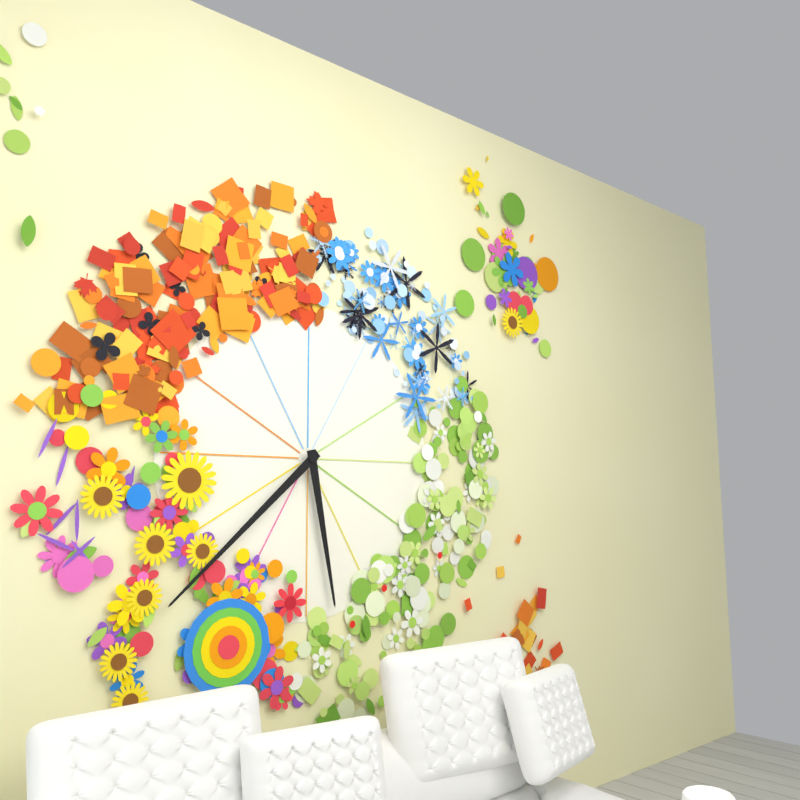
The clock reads 5:38
